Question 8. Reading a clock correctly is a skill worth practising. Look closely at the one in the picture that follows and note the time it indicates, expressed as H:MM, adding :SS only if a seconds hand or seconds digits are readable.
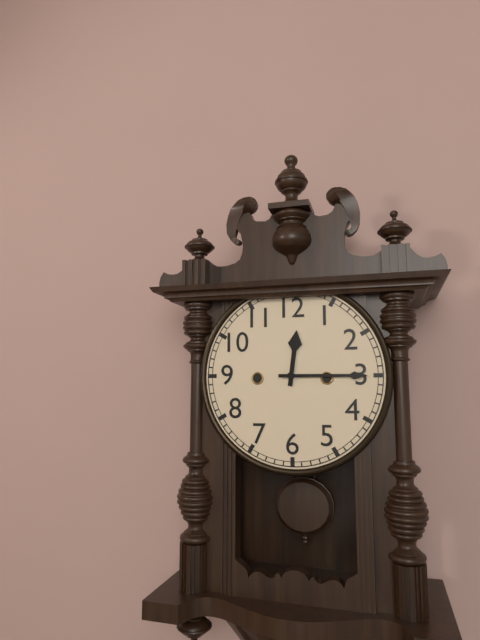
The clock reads 12:15
